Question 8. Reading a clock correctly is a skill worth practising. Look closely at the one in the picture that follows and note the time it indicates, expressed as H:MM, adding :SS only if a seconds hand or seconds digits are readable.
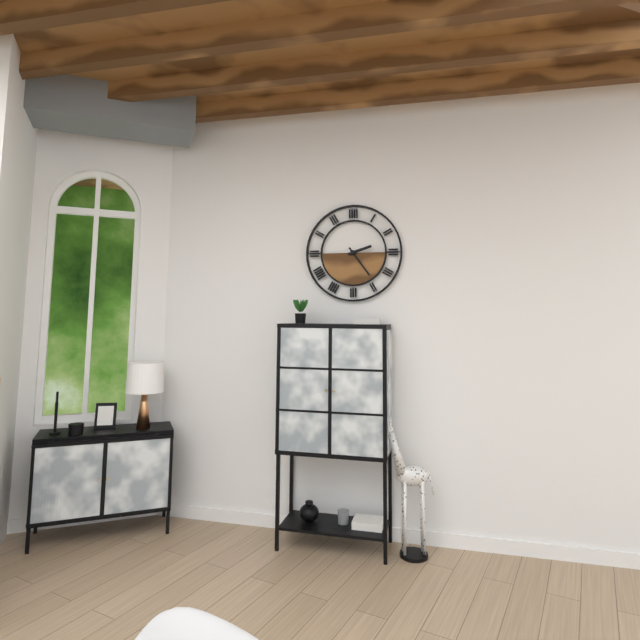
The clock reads 2:24
